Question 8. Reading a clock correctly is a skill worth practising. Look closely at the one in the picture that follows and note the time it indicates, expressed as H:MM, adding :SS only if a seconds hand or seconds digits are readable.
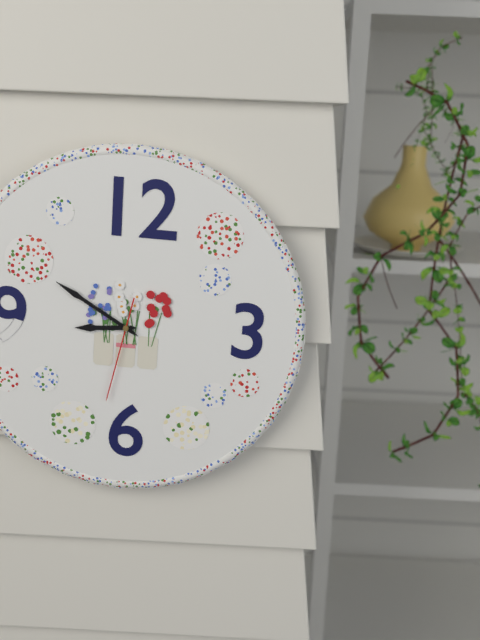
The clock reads 8:50:32
